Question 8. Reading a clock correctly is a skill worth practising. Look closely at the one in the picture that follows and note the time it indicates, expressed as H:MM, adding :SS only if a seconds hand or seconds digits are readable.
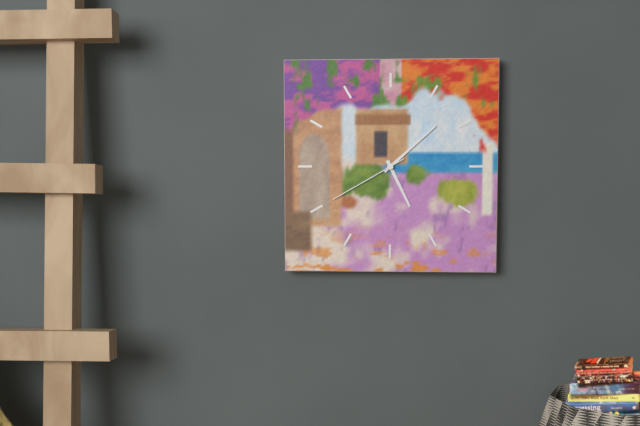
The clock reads 5:08:40
